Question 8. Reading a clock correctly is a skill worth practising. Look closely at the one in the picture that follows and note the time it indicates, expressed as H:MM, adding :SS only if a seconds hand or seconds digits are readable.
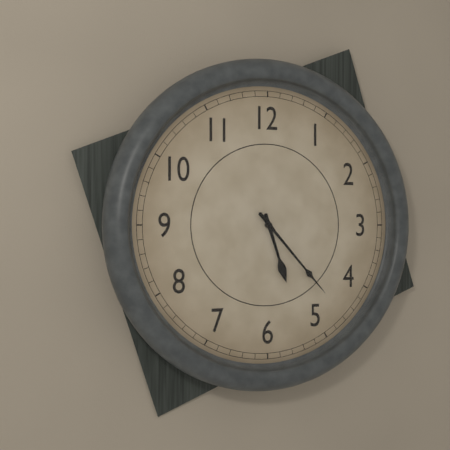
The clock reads 5:23
